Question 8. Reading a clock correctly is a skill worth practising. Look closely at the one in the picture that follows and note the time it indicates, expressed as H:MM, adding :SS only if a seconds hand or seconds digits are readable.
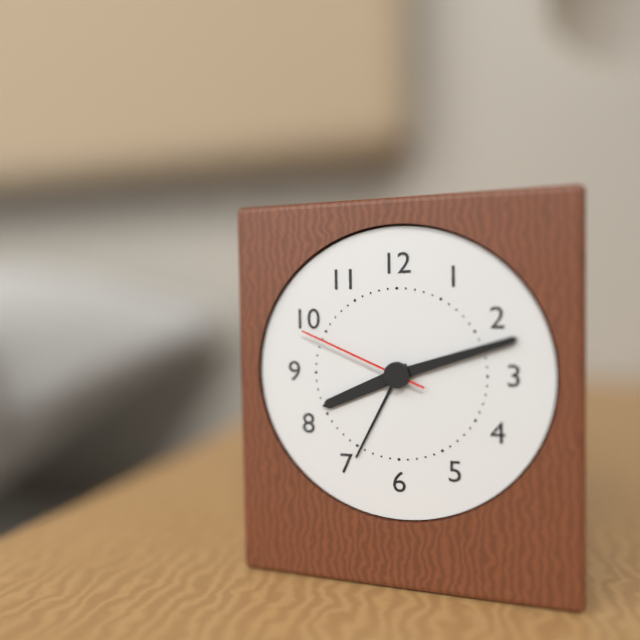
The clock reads 8:12:49
